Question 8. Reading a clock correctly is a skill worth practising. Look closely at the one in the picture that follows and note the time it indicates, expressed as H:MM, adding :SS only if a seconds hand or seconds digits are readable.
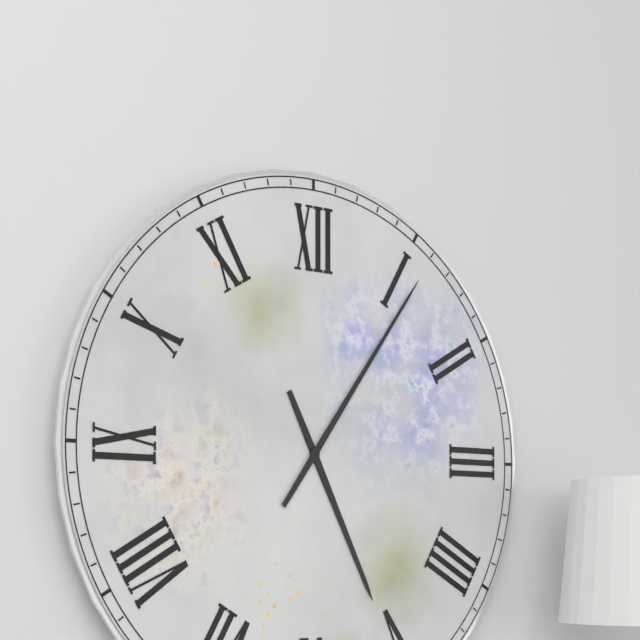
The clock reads 5:06
